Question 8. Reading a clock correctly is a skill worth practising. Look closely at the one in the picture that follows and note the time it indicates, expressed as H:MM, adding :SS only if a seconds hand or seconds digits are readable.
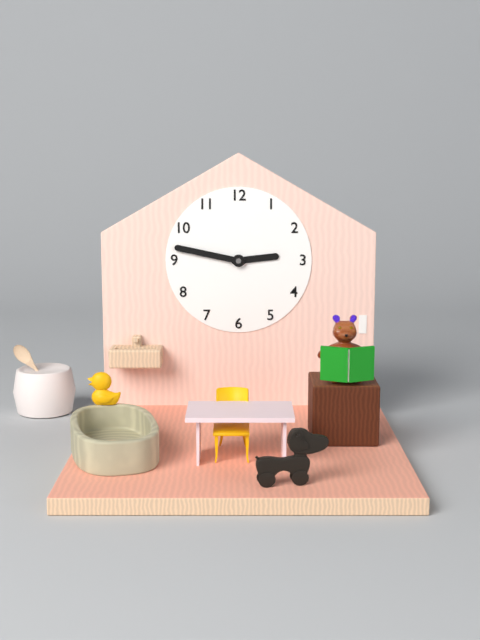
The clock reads 2:47
